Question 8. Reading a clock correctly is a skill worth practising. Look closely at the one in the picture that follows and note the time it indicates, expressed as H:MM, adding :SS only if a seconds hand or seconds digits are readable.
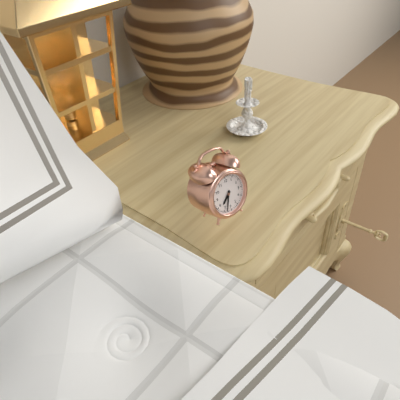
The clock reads 7:33
